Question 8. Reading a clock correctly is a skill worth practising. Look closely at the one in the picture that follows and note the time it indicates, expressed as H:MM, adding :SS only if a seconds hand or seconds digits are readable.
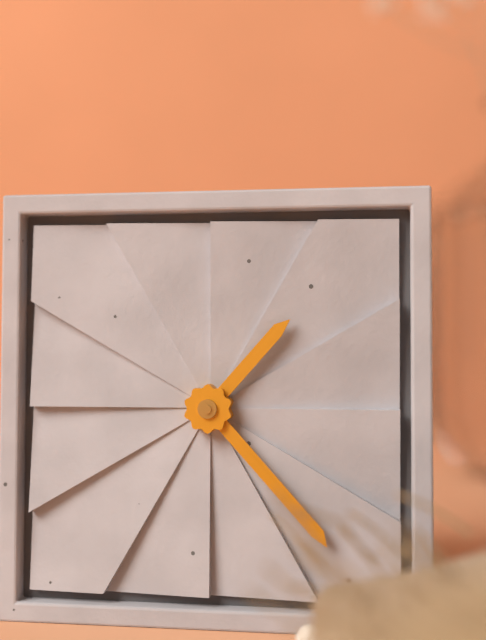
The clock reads 1:23
